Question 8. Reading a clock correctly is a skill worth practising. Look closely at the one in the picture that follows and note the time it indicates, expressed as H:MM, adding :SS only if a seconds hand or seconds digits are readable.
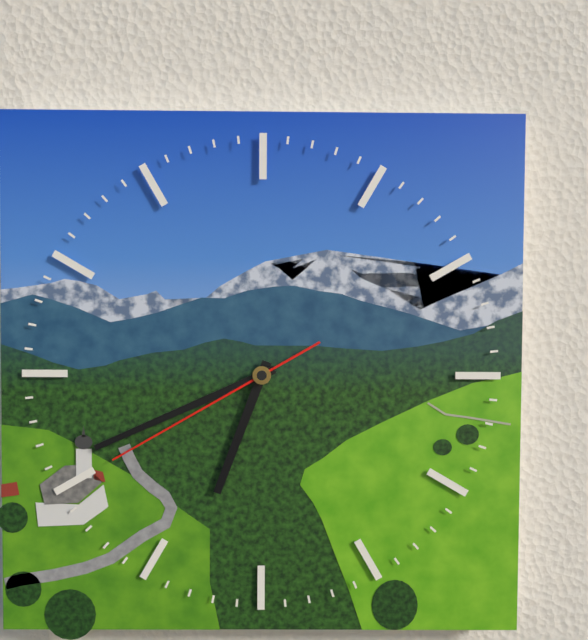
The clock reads 6:41:40
